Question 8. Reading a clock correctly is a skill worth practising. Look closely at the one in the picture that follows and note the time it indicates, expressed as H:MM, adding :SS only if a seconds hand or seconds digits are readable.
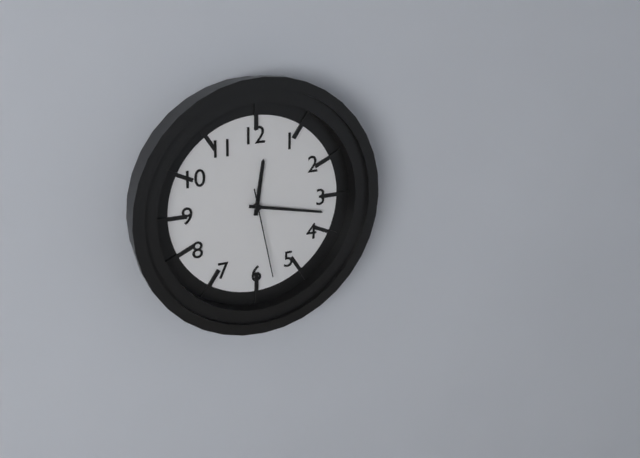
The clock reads 12:17:28
